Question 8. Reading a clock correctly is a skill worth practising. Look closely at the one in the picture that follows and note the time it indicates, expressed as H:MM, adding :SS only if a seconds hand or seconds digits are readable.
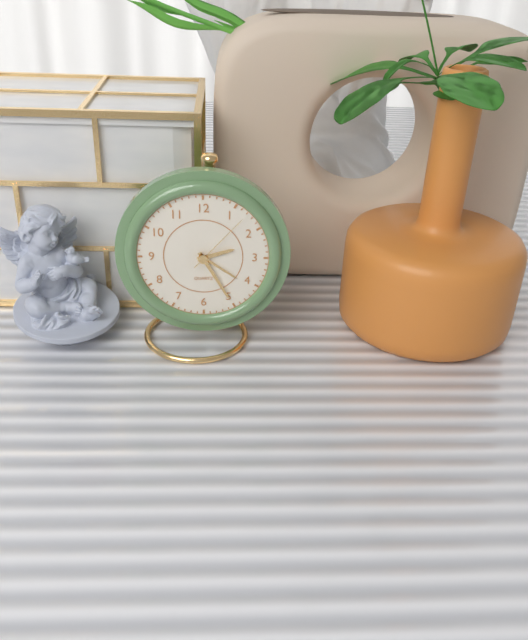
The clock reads 2:25:07
